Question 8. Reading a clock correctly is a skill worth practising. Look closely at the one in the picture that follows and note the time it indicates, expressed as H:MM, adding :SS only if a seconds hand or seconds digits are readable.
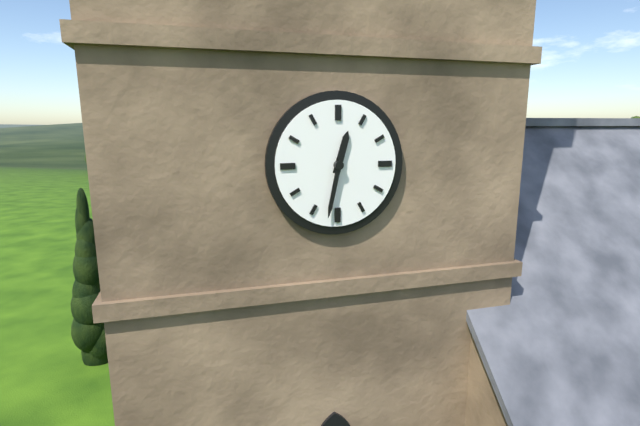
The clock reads 12:32
